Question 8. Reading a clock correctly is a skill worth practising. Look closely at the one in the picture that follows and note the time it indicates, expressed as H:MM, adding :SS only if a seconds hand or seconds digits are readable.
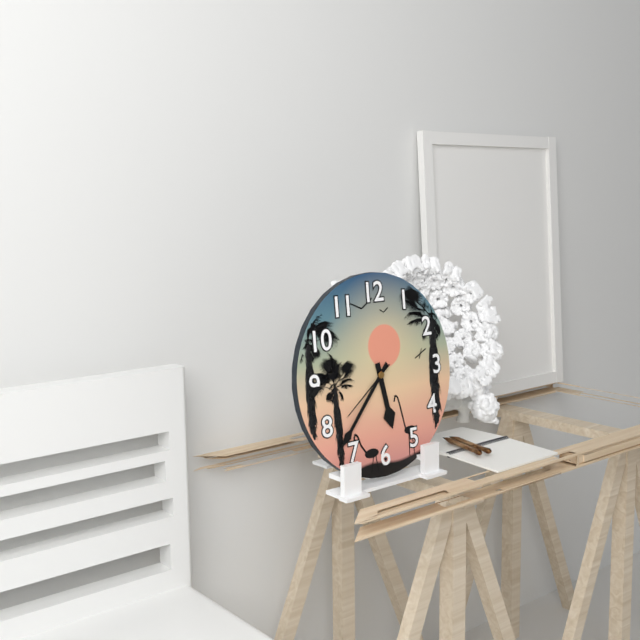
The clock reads 5:37:39
